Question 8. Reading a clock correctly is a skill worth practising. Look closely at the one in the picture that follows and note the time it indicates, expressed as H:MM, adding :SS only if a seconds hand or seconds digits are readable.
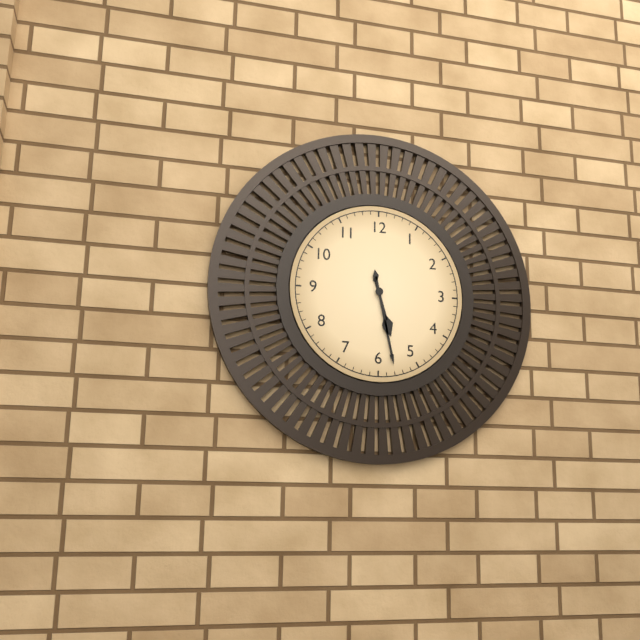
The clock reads 5:28
